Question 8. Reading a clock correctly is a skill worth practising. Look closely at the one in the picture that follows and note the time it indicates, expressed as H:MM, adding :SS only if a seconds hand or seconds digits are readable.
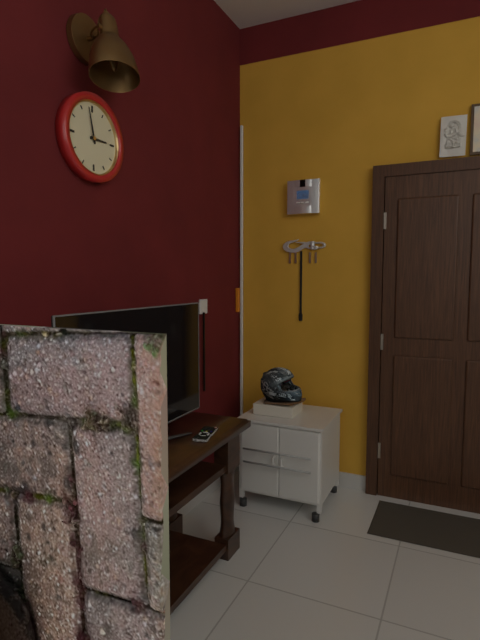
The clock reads 2:58
